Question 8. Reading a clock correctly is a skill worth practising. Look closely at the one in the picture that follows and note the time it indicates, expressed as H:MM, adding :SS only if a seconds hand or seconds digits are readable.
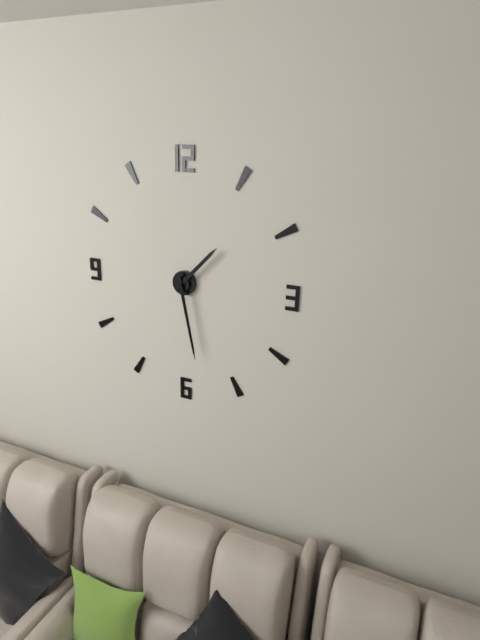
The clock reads 1:28
